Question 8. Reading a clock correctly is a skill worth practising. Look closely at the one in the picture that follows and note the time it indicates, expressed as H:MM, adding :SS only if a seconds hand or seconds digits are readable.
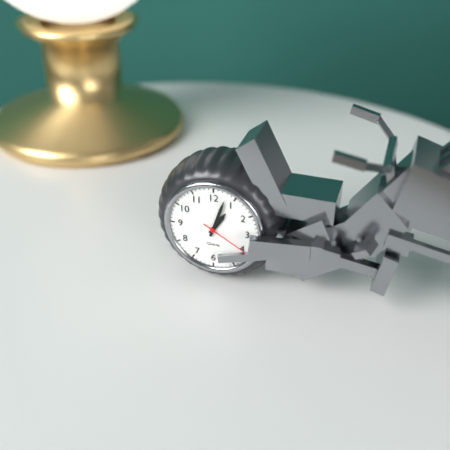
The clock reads 1:03:20
